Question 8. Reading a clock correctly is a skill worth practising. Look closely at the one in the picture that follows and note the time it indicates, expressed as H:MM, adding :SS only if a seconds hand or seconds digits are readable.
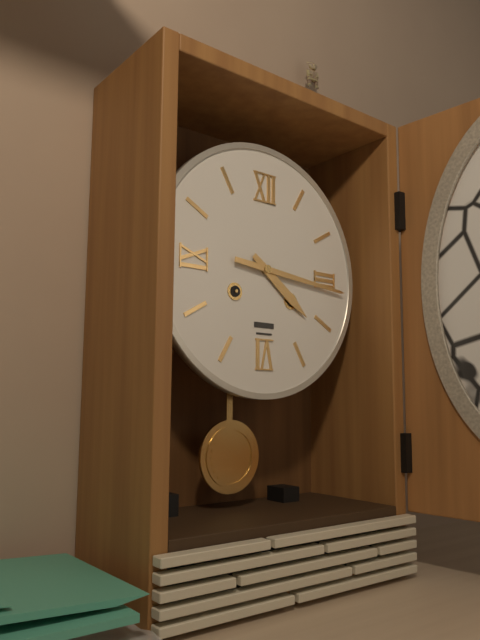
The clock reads 4:16
